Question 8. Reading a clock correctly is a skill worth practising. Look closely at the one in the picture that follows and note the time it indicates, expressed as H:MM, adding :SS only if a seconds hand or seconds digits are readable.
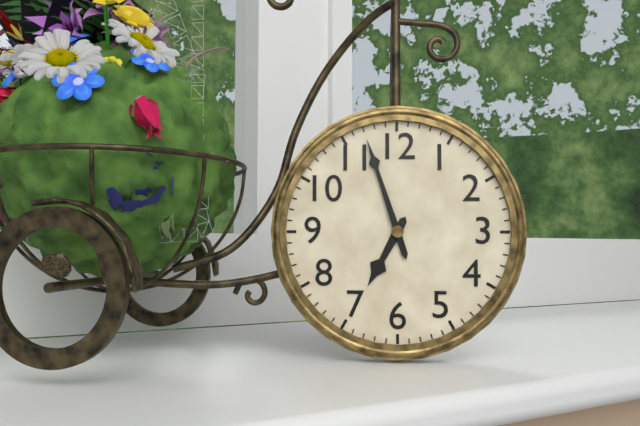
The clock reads 6:57
